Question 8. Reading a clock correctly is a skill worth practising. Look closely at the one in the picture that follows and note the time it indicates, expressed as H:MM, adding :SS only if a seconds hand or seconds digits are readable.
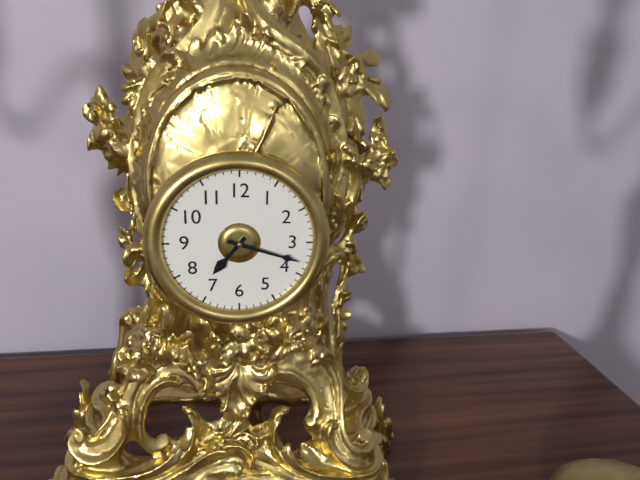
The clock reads 7:18
